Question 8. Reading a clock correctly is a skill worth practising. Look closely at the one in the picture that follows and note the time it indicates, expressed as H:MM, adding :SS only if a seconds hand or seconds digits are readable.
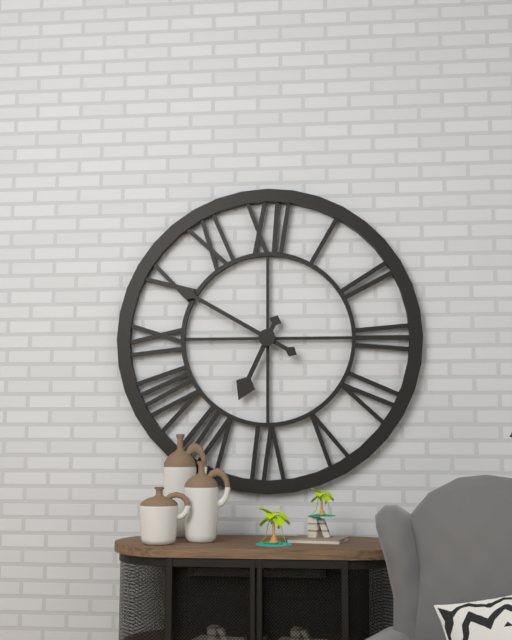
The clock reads 6:50
